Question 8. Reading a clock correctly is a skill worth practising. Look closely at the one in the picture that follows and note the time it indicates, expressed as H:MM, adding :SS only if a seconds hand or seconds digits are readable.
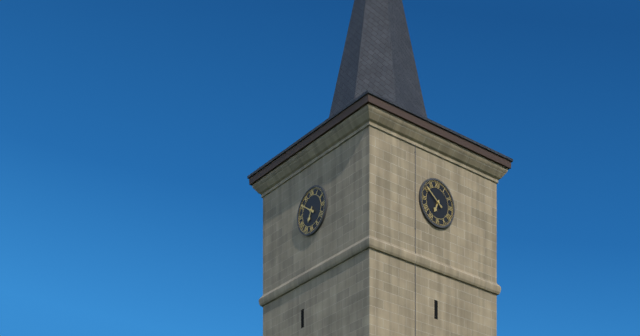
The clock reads 6:51
